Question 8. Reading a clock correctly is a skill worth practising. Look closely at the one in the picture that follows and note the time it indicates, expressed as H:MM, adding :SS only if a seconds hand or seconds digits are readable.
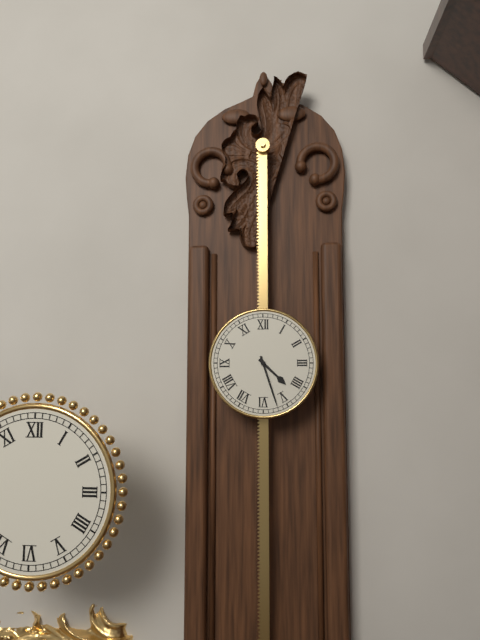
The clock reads 4:27
